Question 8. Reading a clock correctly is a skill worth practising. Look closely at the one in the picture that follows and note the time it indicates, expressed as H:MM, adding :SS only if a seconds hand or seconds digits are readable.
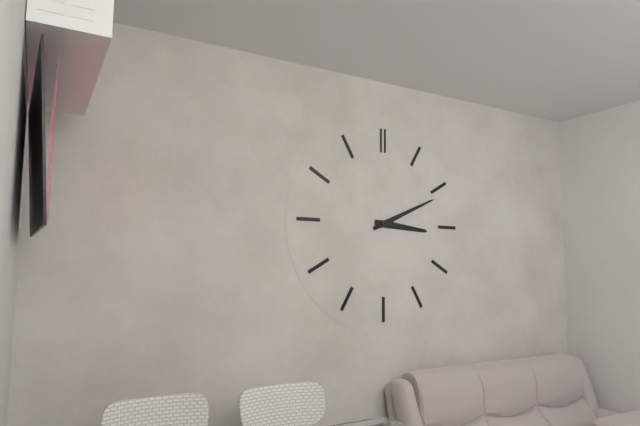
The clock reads 3:11
